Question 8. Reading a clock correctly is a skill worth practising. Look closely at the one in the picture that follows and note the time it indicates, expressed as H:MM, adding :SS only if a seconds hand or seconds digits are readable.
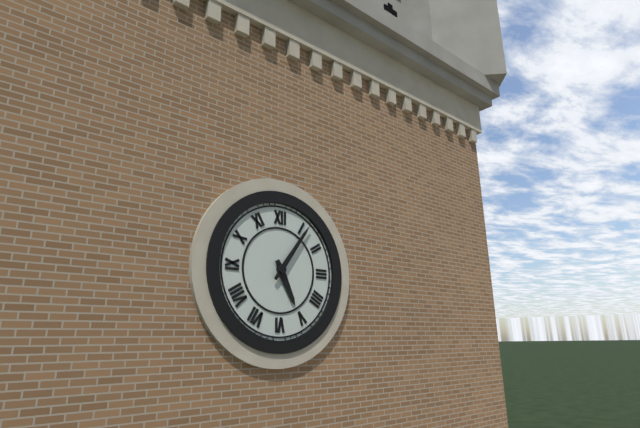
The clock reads 5:06
